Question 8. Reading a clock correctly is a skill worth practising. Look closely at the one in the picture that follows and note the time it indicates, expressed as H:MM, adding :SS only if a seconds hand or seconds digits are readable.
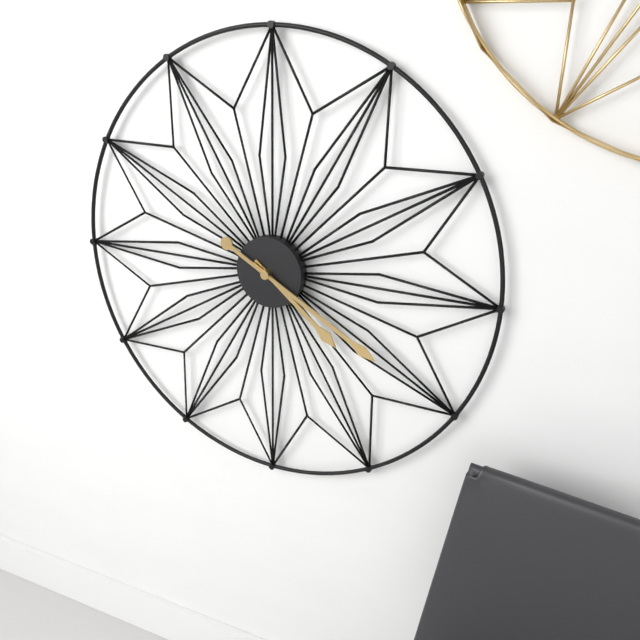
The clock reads 4:20
